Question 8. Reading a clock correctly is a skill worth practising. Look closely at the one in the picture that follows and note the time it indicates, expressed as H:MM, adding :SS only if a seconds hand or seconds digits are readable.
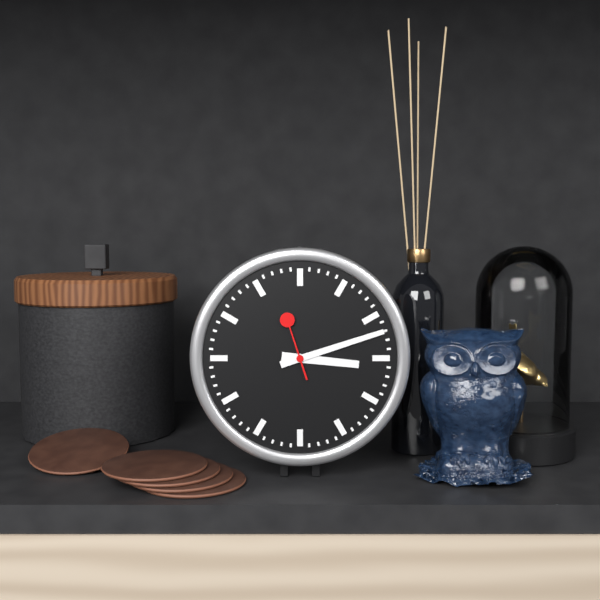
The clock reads 3:12:57
